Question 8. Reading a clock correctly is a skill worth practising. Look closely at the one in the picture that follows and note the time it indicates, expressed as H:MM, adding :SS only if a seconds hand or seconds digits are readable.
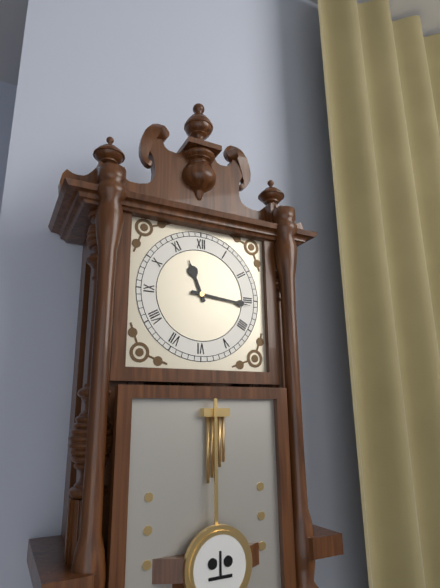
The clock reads 11:16
